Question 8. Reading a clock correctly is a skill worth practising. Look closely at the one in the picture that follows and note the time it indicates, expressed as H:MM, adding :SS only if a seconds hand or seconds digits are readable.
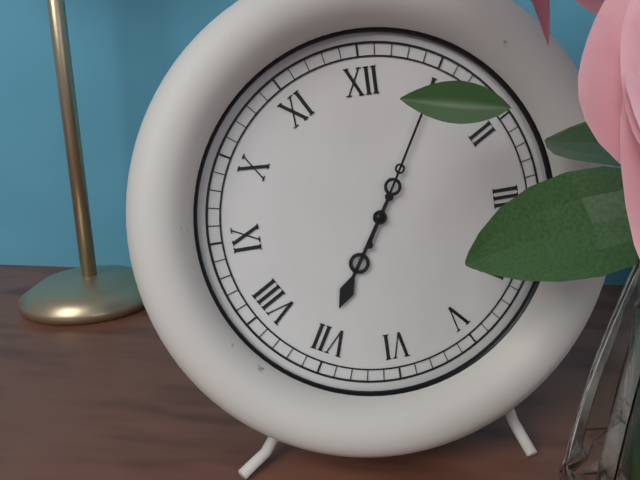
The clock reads 7:05
